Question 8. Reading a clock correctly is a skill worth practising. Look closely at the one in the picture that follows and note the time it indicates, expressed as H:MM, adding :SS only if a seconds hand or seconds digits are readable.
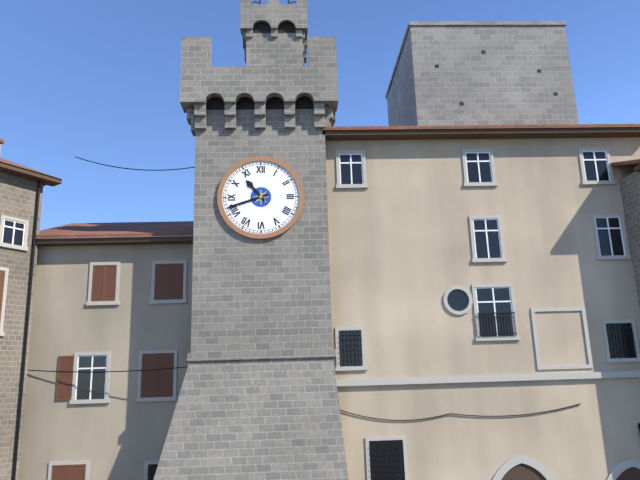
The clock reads 10:42
